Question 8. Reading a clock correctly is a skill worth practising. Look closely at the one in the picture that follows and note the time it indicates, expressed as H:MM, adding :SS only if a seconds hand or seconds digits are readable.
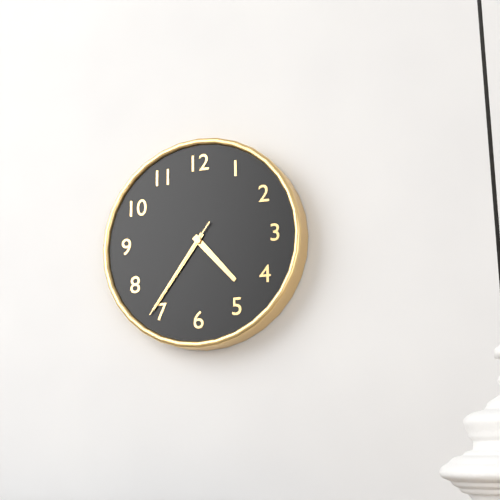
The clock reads 4:36:36
